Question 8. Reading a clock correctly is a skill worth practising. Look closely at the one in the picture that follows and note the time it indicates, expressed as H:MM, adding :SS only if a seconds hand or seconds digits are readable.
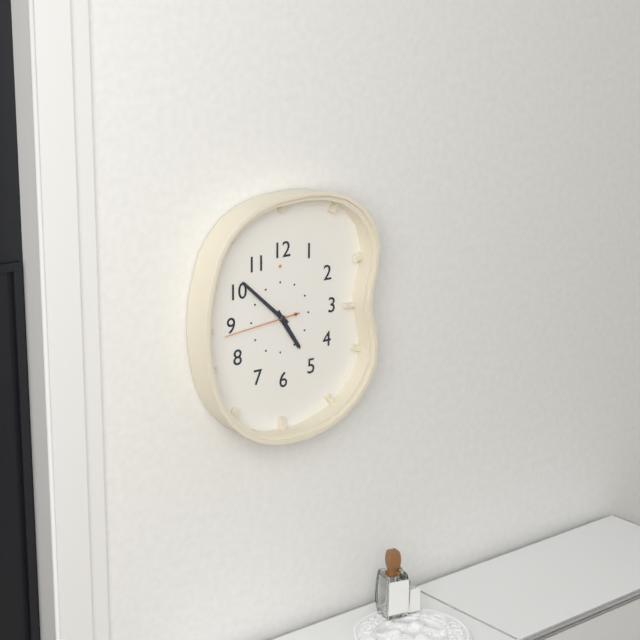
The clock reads 4:52:44
